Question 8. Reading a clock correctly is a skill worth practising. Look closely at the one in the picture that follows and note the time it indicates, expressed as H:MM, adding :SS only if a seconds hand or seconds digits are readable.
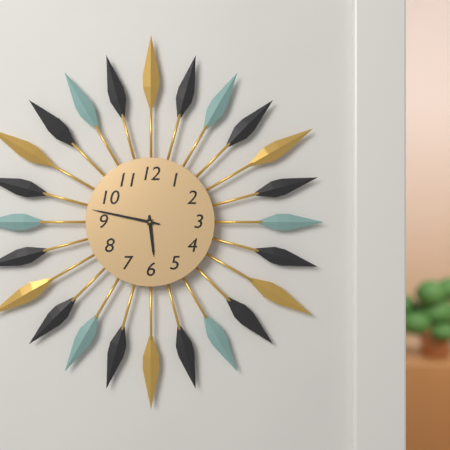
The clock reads 5:47
